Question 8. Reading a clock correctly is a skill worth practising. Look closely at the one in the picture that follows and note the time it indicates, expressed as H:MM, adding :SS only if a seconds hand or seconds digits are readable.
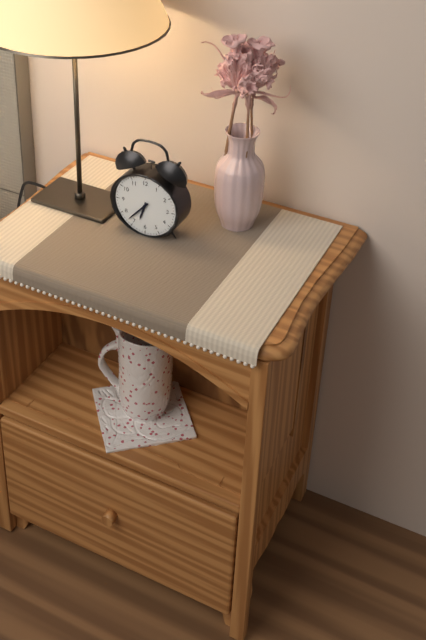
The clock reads 6:37
